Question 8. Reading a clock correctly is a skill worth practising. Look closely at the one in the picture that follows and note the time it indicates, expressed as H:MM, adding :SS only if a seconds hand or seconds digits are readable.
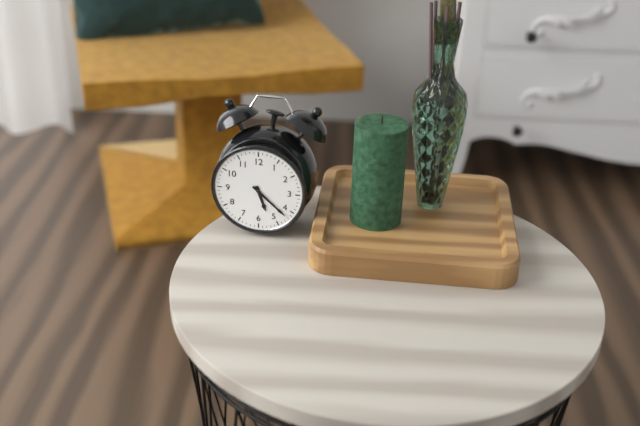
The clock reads 5:22
